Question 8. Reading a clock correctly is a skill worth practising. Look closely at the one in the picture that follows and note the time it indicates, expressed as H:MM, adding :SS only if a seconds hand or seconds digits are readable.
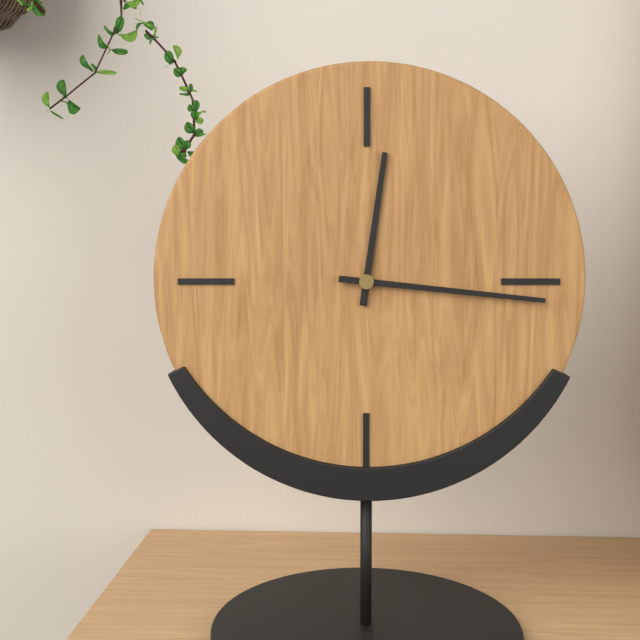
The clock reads 12:16
